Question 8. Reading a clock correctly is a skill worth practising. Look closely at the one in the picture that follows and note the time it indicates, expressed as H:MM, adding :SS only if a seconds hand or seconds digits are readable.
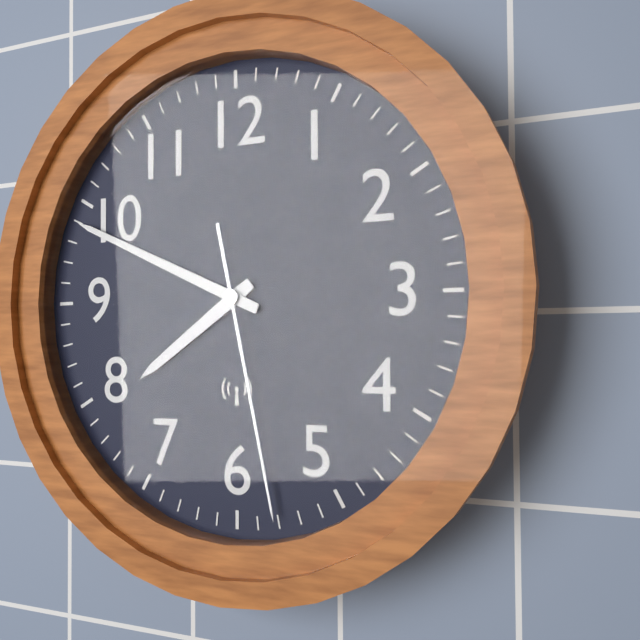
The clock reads 7:49:28
